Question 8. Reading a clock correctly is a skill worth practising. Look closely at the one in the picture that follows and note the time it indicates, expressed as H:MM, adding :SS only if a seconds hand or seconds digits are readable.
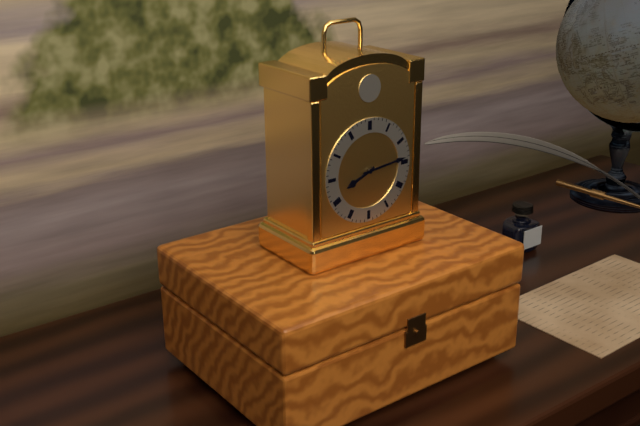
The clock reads 8:14
